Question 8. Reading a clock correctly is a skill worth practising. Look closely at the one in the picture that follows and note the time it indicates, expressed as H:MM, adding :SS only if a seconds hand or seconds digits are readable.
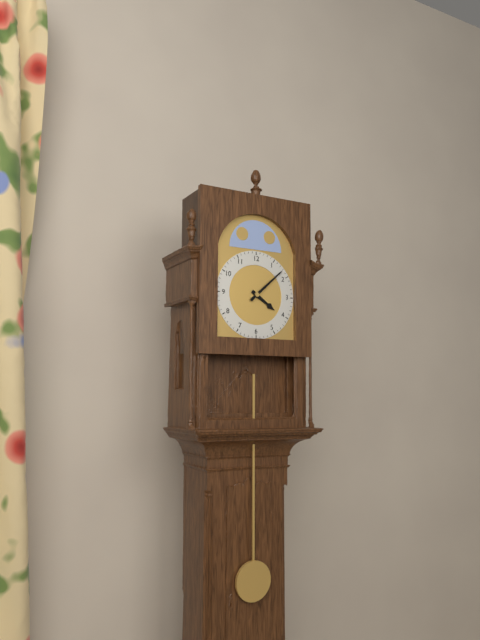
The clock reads 4:08
